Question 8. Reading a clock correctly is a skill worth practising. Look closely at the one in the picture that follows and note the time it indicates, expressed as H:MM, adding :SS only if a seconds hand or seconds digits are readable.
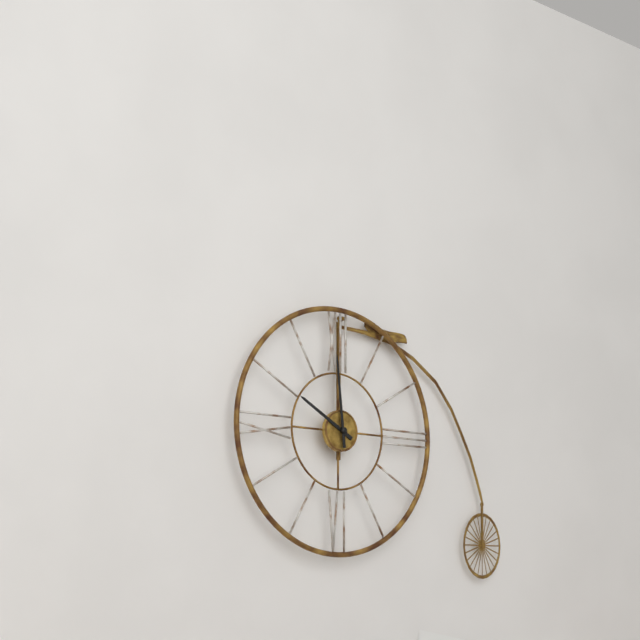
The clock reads 9:59
